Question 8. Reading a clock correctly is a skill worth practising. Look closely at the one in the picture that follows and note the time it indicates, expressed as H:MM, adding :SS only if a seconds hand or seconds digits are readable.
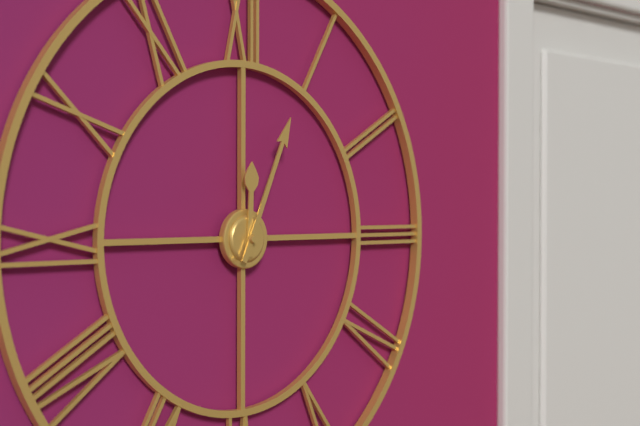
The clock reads 12:04
